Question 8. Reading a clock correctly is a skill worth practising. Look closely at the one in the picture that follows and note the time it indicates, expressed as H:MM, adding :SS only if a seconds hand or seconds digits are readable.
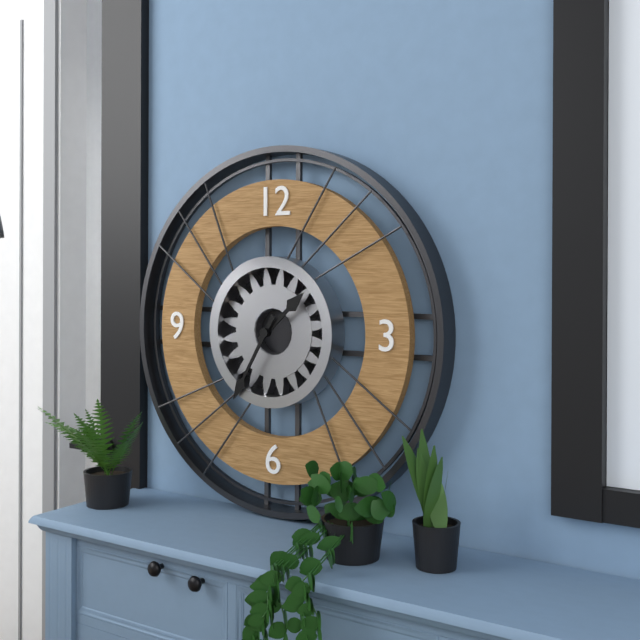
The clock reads 1:35
